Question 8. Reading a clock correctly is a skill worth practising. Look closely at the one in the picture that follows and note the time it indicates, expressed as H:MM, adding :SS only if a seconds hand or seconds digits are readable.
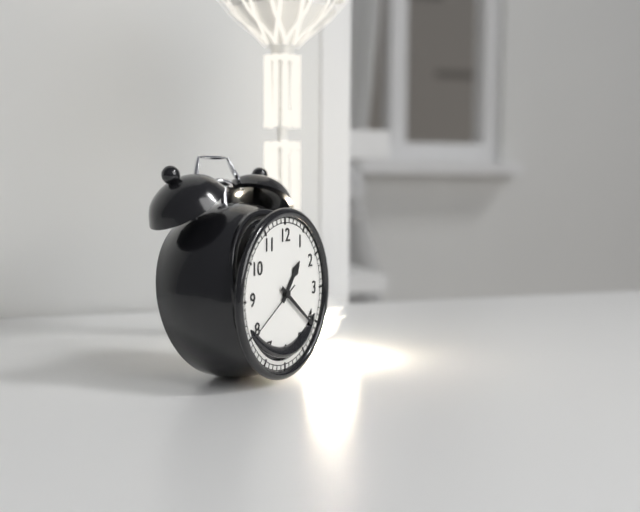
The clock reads 1:21:40
